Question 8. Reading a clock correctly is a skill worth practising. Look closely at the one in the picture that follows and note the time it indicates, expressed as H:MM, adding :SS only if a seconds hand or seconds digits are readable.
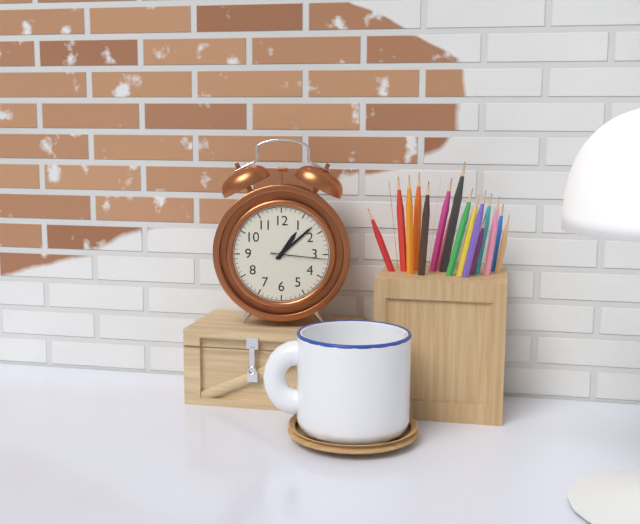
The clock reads 1:08:16
